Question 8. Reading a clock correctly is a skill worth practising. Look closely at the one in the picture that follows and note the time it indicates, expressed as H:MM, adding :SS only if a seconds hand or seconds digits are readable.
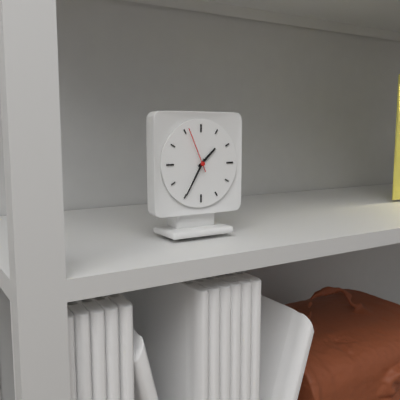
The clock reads 1:35
